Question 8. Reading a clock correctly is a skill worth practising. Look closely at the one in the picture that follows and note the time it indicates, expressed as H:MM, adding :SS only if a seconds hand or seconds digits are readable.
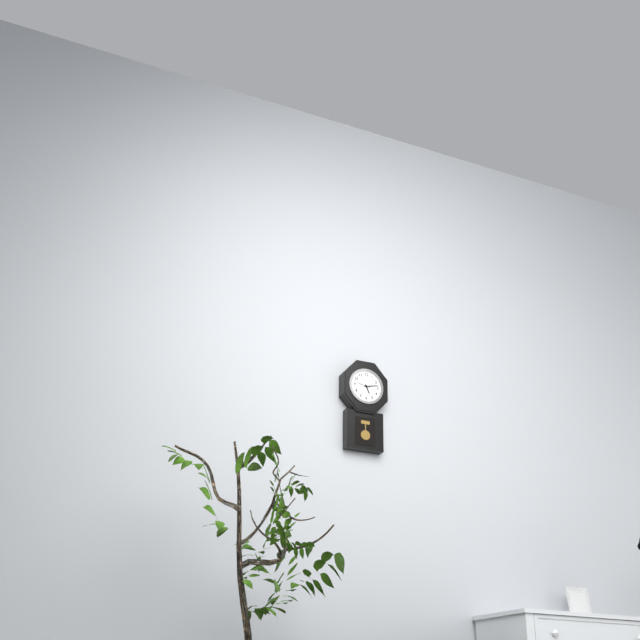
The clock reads 5:13
